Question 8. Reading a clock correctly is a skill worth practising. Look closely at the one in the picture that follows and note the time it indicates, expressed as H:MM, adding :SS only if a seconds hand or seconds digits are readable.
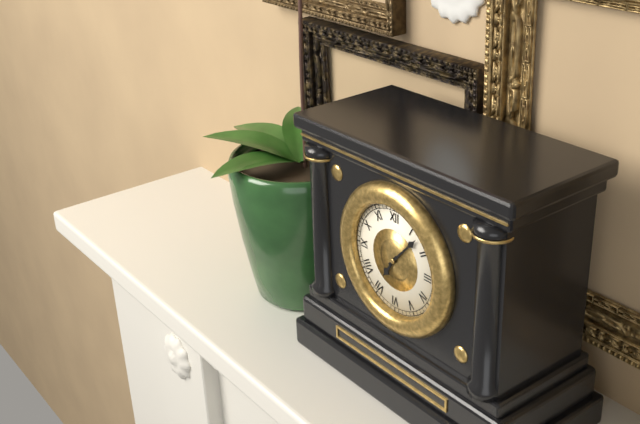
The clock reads 7:07
